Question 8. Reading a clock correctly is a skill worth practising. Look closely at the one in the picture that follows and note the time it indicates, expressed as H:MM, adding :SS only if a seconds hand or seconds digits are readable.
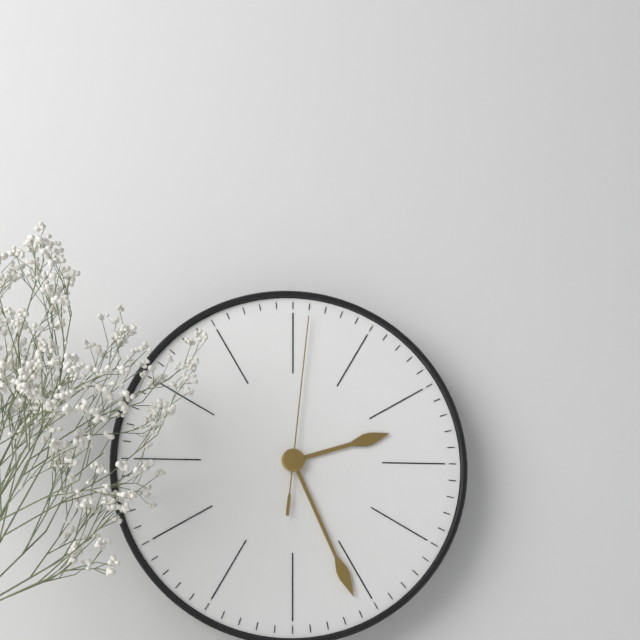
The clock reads 2:26:01
